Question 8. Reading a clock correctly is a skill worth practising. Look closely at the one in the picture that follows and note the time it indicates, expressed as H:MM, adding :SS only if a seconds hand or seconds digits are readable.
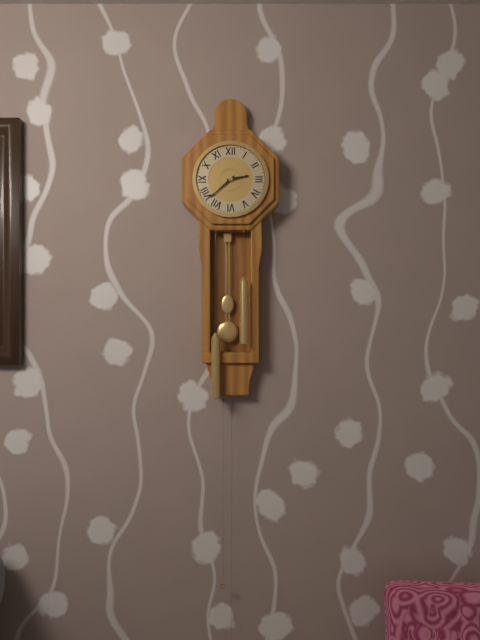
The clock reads 2:38
